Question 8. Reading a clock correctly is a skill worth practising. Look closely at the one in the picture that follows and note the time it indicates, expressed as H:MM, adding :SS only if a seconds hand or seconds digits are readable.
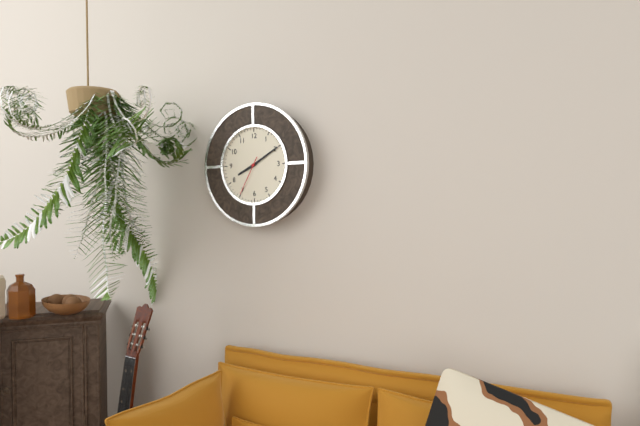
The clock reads 8:10
